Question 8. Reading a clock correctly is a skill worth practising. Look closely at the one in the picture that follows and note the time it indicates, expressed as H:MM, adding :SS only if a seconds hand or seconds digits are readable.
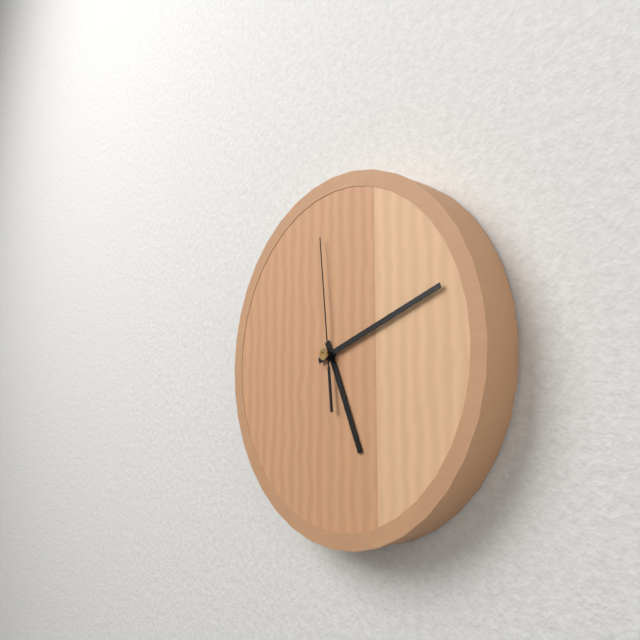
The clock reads 5:12:59
